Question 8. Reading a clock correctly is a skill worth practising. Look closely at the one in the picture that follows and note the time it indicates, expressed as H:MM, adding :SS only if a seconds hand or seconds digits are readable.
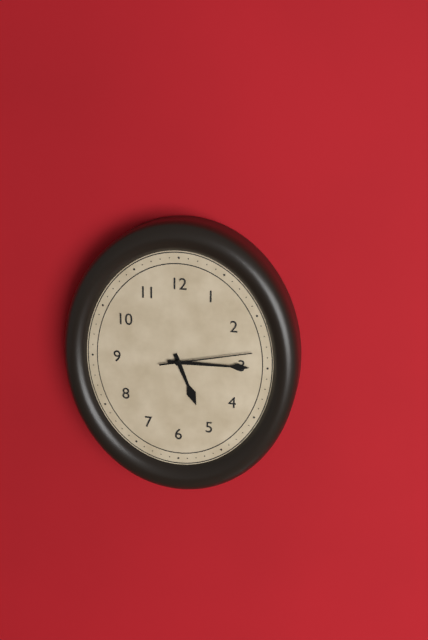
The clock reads 5:15:13
